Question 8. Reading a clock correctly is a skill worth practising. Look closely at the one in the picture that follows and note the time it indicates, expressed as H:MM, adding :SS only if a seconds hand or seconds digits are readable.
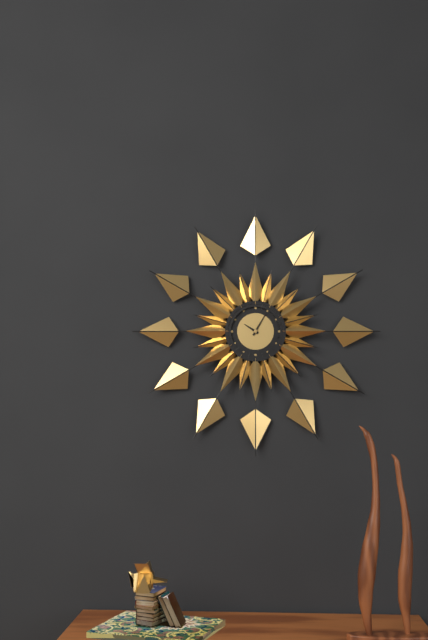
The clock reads 10:05
